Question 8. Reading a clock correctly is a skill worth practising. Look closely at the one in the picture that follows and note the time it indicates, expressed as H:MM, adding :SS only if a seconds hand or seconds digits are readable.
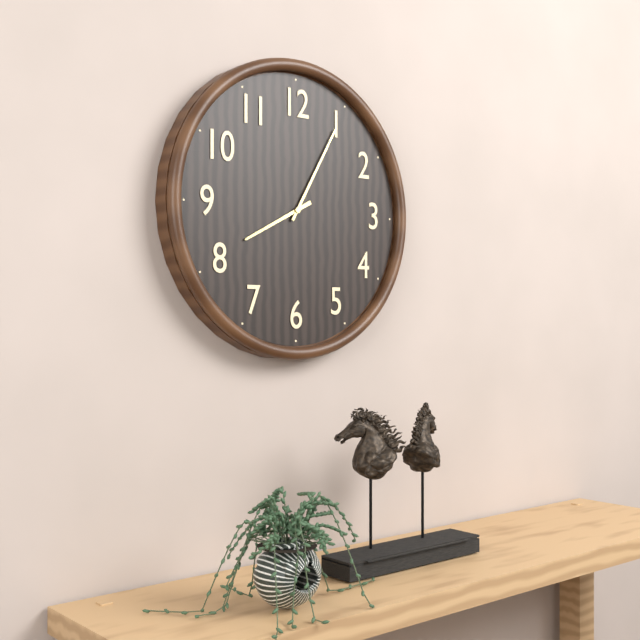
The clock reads 8:05
